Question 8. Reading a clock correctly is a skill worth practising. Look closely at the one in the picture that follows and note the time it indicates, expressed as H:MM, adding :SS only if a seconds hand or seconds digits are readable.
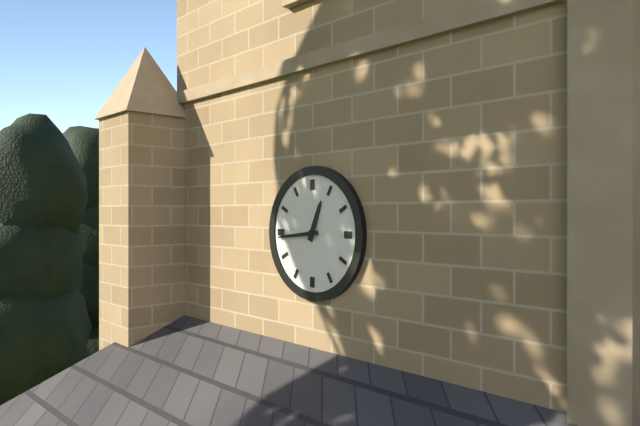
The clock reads 12:44
